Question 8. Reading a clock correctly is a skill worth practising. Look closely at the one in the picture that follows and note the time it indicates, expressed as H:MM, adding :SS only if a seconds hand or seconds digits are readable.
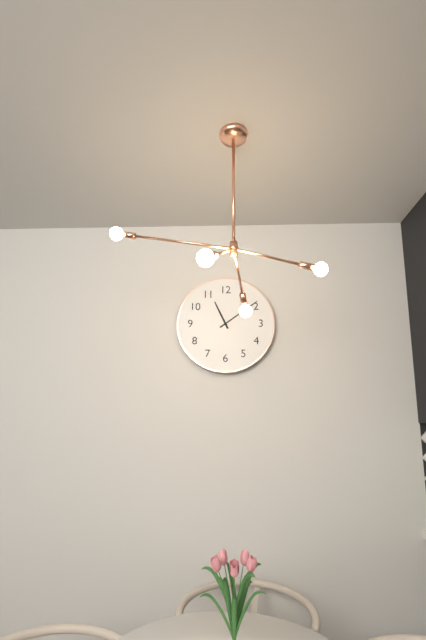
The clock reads 11:09
